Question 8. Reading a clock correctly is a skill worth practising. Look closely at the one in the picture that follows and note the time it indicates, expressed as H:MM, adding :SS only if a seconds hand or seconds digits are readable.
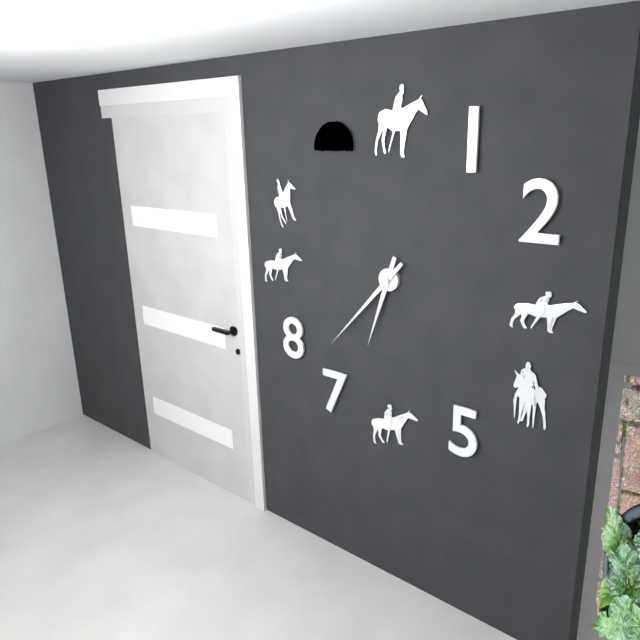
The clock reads 6:37
